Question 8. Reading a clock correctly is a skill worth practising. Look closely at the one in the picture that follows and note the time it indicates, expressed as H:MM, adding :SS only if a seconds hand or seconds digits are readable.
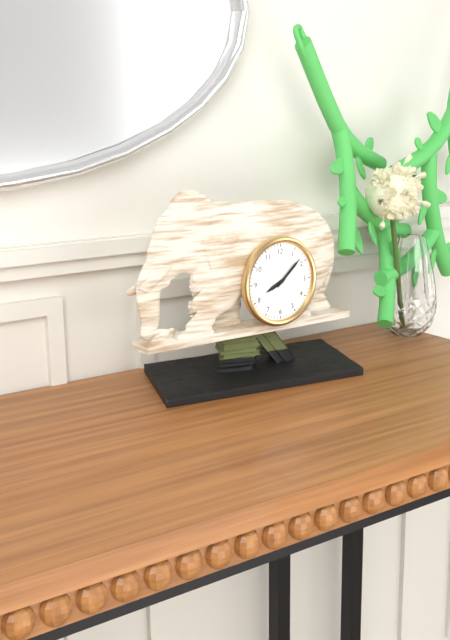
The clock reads 8:08
